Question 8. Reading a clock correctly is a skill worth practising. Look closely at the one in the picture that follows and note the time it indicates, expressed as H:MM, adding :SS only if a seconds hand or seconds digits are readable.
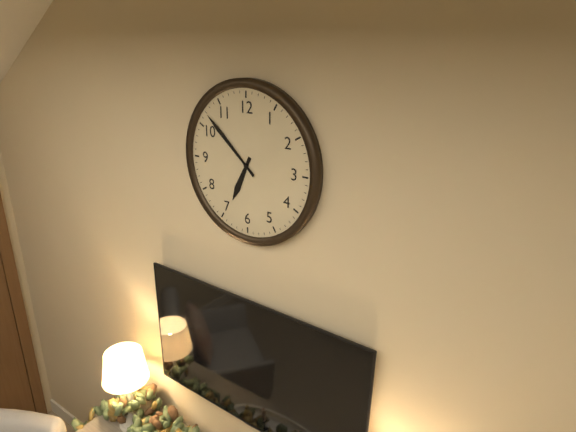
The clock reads 6:52
